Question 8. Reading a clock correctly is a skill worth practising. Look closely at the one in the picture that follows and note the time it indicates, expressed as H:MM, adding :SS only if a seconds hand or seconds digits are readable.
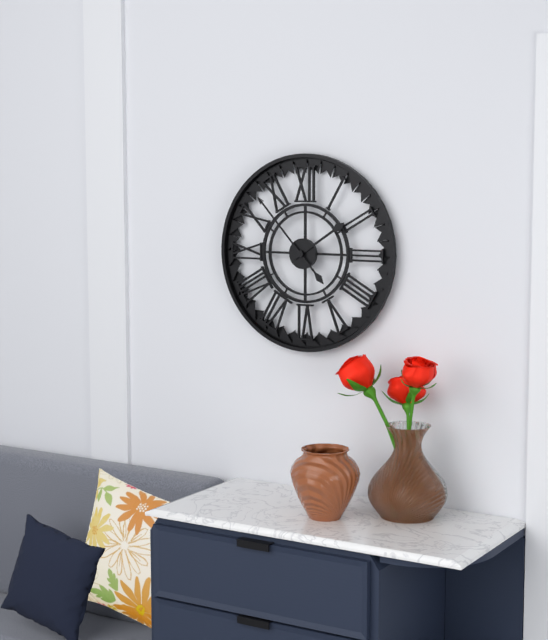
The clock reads 1:53
